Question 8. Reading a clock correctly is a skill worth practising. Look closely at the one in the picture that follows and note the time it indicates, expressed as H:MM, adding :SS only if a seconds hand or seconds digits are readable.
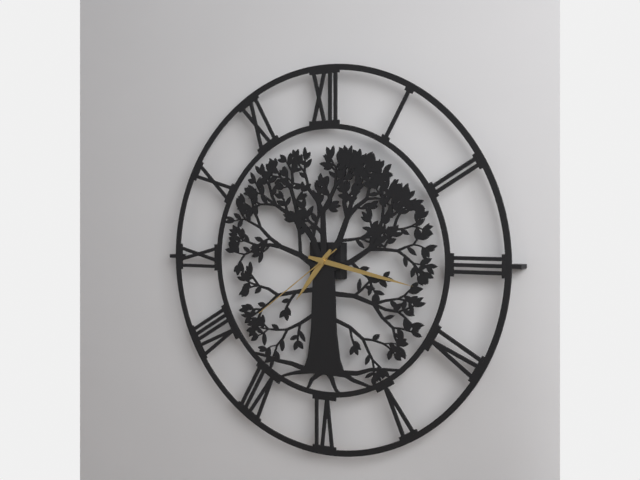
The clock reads 7:17:39
